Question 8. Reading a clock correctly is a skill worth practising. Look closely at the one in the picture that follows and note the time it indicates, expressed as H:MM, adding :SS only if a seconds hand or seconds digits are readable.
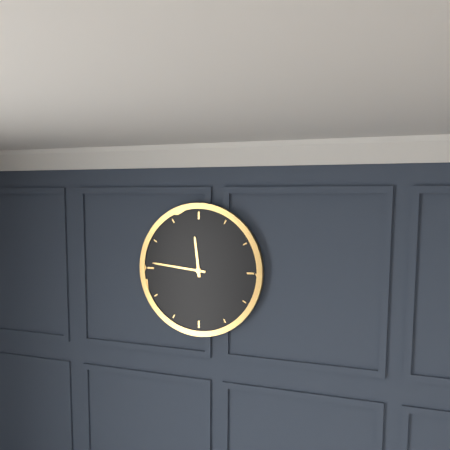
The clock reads 11:46
